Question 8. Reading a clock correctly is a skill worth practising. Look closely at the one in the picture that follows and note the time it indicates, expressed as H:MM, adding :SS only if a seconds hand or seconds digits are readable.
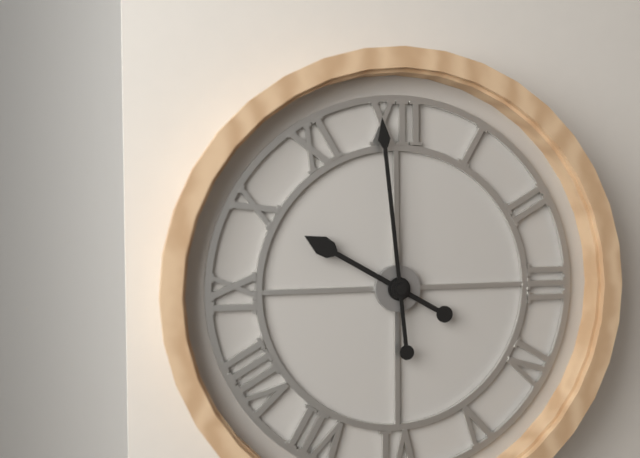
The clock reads 9:59
